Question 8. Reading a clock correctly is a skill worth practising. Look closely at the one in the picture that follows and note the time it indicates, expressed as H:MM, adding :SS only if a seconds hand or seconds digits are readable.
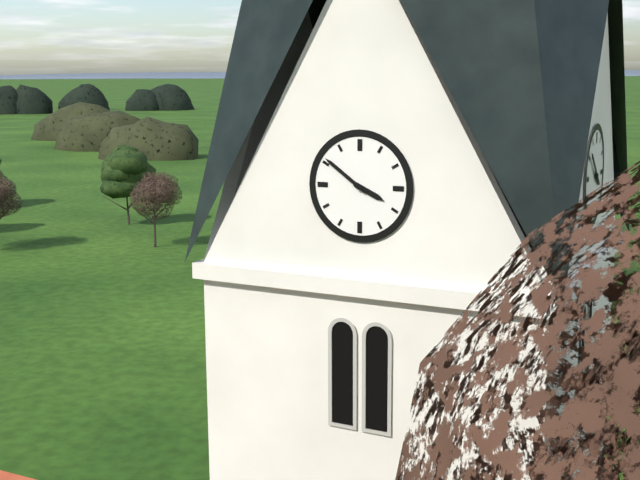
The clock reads 3:51
